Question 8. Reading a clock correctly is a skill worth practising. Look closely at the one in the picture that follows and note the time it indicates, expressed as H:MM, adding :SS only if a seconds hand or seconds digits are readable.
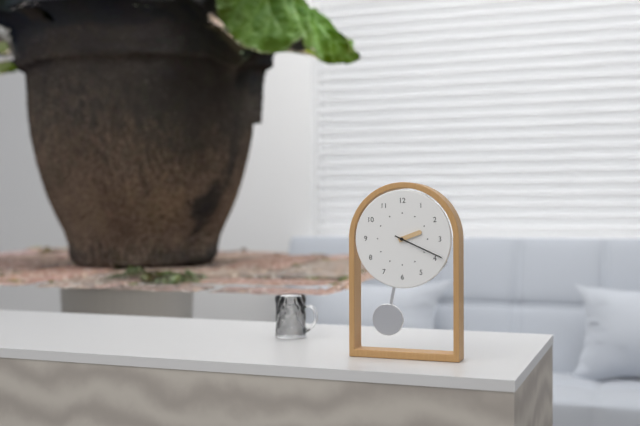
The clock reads 2:19
